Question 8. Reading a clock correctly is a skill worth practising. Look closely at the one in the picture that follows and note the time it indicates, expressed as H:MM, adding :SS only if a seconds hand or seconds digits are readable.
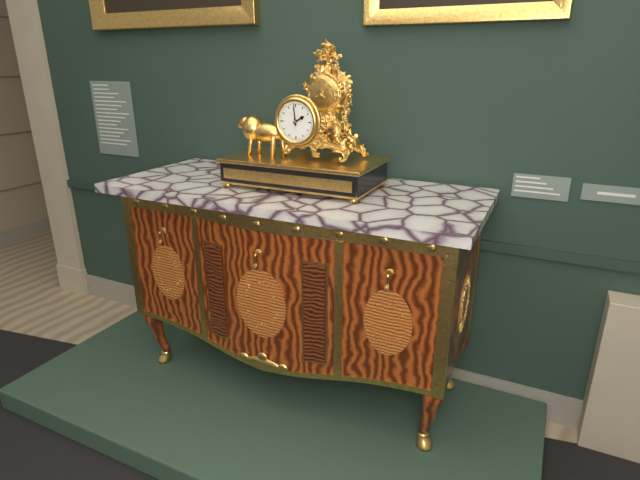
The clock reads 1:59
